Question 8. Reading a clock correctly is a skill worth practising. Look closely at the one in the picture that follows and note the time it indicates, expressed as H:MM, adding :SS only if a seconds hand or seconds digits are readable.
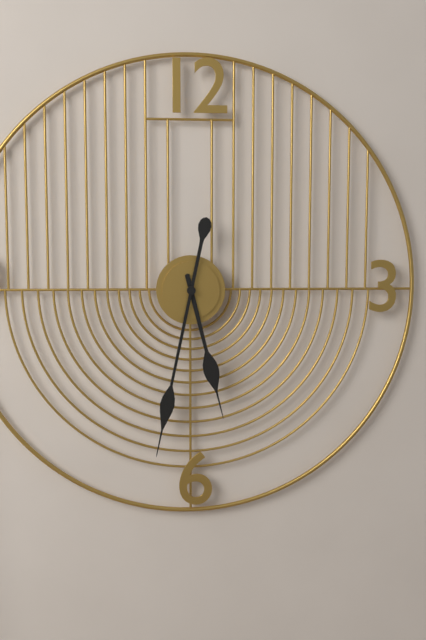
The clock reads 5:32
